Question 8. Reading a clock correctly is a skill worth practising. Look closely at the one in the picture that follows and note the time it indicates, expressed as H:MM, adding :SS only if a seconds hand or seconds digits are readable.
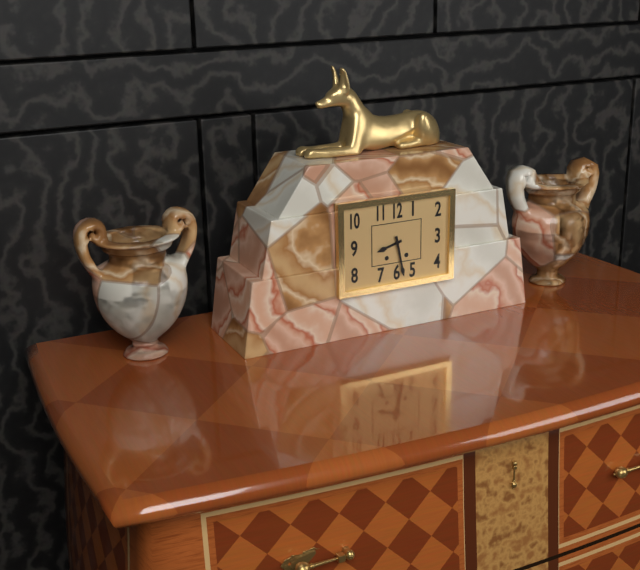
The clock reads 8:28
